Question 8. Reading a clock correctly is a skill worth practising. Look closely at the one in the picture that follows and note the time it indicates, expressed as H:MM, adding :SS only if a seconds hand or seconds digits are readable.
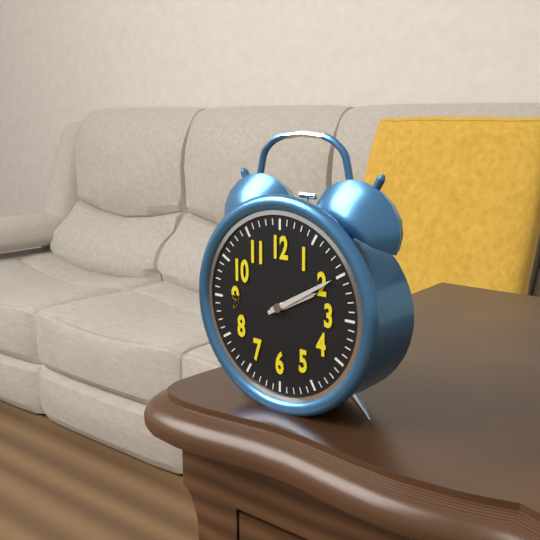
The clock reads 2:10
